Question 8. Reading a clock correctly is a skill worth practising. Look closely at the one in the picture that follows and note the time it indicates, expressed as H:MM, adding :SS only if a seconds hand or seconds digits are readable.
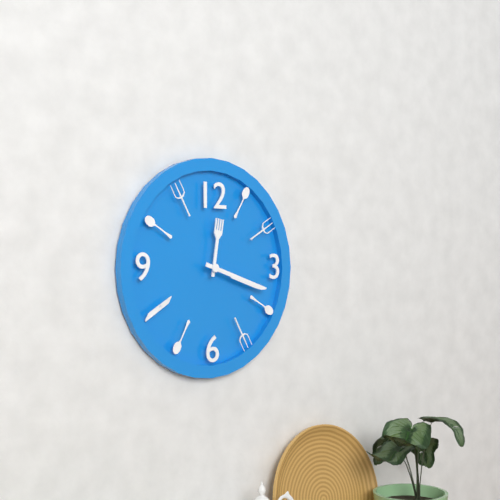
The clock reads 12:18
